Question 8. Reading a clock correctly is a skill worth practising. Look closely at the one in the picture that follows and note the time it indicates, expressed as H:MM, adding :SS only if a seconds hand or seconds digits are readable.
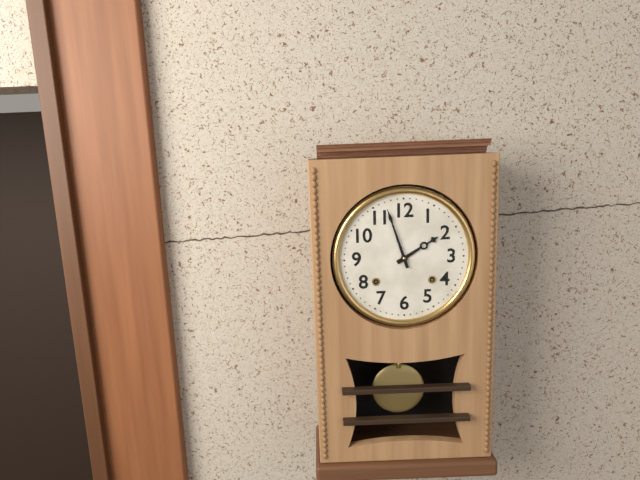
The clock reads 1:57
